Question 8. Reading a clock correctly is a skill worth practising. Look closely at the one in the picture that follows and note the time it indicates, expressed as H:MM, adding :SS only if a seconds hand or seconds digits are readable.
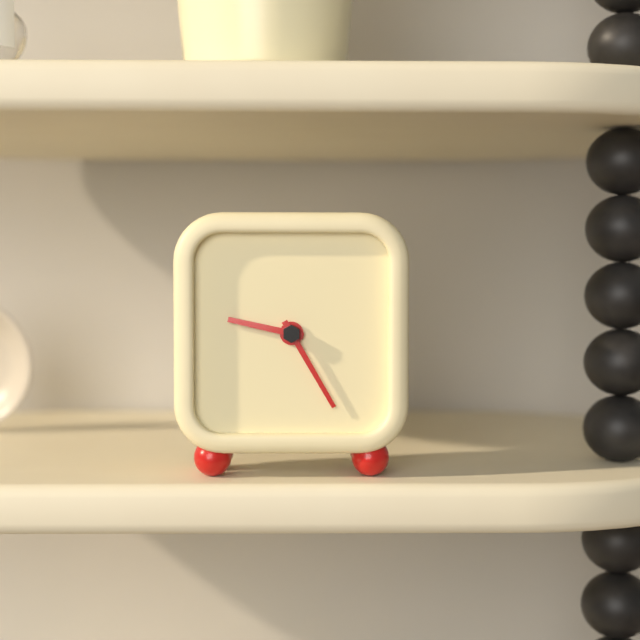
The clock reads 9:25
